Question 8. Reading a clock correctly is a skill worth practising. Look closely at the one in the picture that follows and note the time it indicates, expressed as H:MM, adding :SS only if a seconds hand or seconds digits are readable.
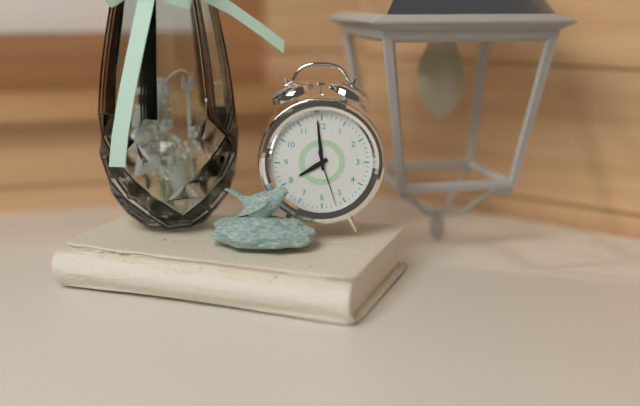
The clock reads 7:59:27
